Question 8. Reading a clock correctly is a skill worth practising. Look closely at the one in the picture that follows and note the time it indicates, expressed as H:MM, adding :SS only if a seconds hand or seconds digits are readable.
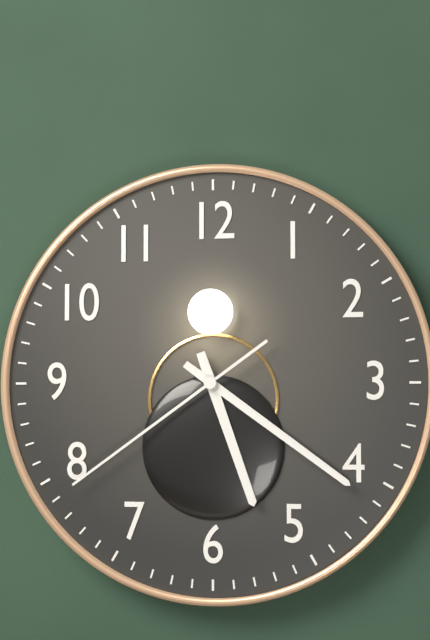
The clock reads 5:21:39
